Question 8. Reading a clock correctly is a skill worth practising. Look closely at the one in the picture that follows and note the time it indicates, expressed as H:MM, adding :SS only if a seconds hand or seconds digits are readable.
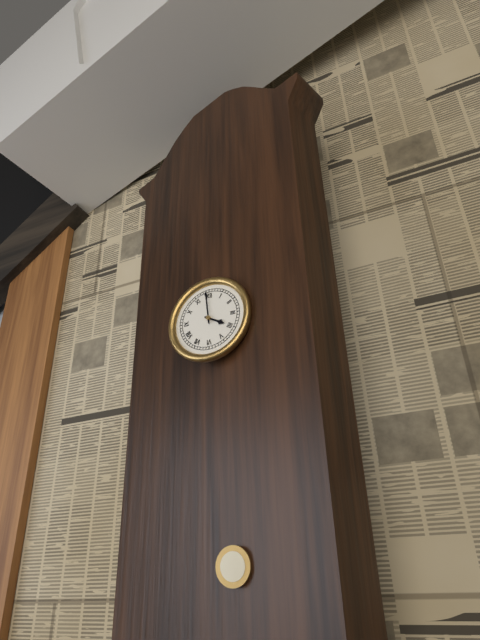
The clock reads 3:59
